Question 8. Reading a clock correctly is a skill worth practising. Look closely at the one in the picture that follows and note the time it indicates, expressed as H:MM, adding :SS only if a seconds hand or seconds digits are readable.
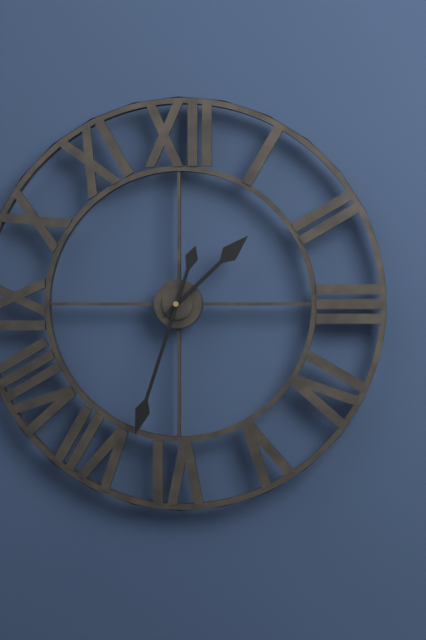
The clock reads 1:33
